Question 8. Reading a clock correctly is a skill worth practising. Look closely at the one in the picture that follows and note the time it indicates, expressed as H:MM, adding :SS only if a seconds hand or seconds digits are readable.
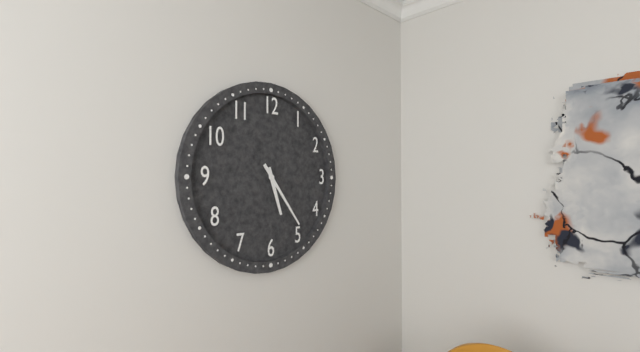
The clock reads 5:24
